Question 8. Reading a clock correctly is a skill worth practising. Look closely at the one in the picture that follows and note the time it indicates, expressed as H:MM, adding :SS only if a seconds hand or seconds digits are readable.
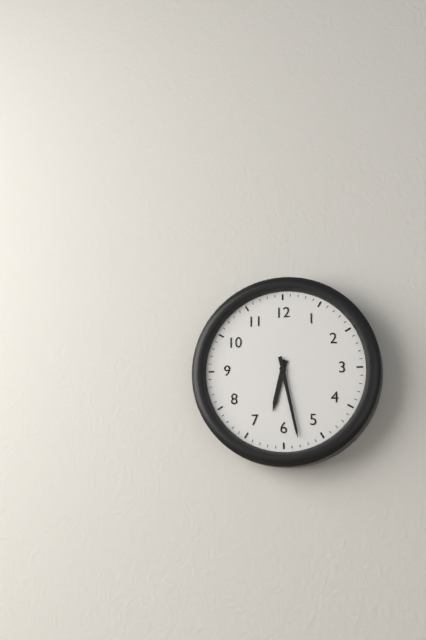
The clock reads 6:28
